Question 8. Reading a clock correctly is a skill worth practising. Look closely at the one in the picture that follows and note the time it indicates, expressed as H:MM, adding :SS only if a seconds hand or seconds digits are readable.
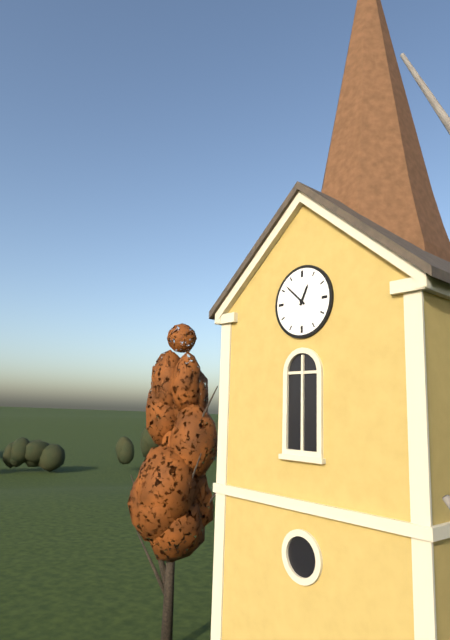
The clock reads 12:52
